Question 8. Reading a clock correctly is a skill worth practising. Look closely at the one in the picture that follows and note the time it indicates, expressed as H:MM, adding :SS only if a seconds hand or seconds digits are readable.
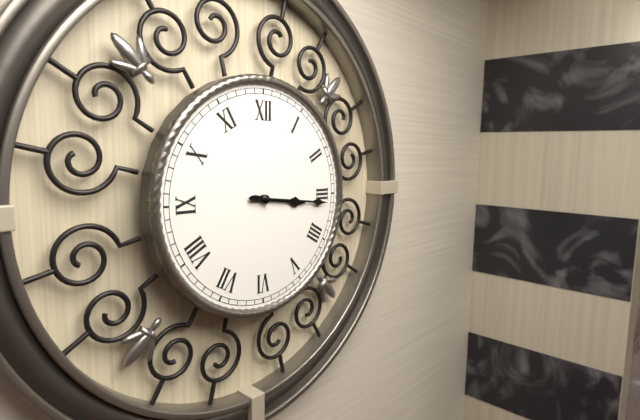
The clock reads 3:16
